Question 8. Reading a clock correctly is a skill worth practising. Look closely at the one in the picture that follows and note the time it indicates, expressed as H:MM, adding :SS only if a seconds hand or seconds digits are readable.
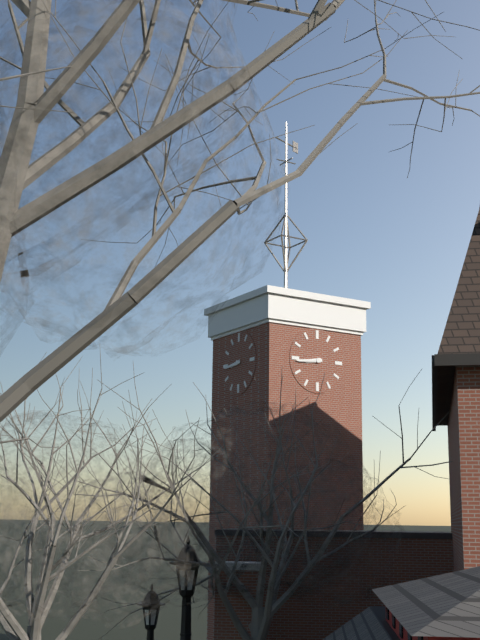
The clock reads 8:44
